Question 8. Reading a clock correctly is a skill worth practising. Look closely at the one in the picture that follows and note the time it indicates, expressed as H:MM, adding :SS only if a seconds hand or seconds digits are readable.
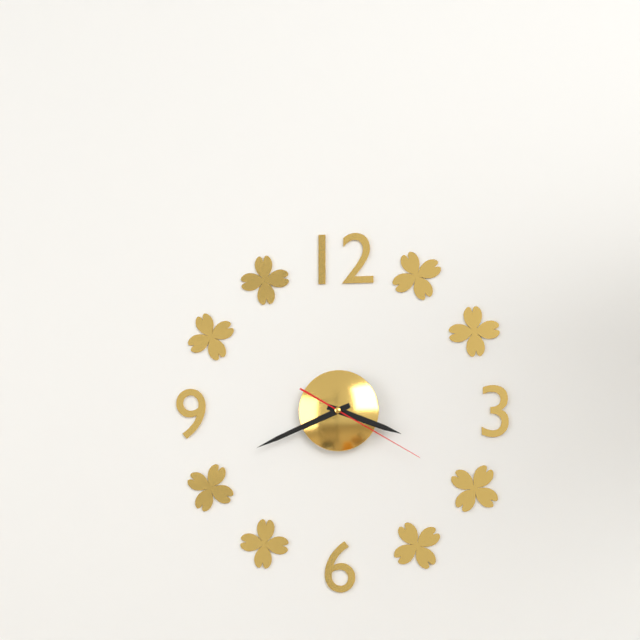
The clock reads 3:41:20
